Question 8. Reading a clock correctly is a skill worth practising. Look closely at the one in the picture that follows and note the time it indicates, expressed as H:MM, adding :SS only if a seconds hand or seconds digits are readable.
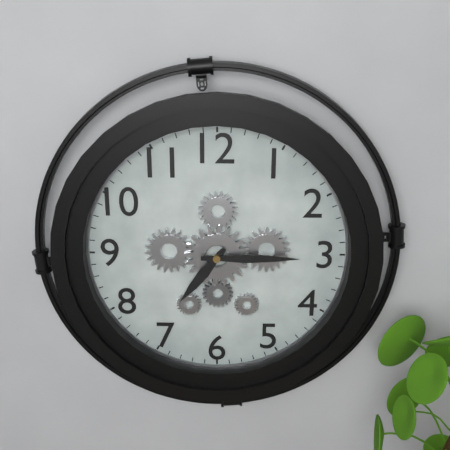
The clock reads 7:15
